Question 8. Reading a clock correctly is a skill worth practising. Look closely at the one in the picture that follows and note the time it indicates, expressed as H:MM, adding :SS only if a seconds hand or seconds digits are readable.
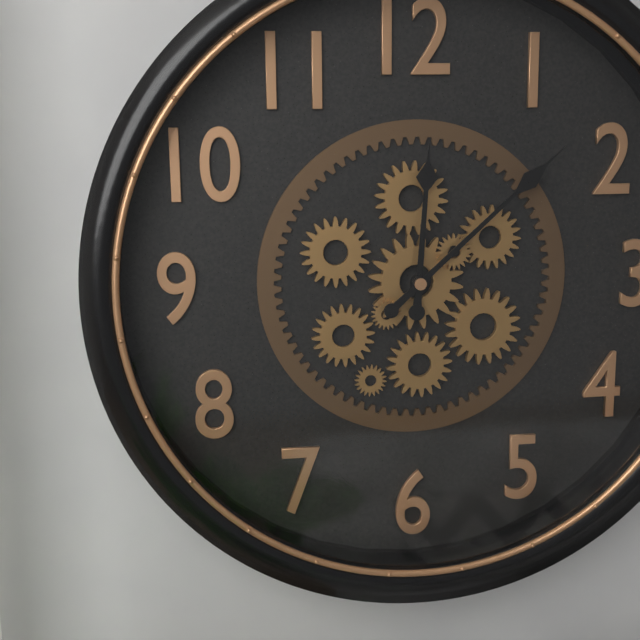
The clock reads 12:08
